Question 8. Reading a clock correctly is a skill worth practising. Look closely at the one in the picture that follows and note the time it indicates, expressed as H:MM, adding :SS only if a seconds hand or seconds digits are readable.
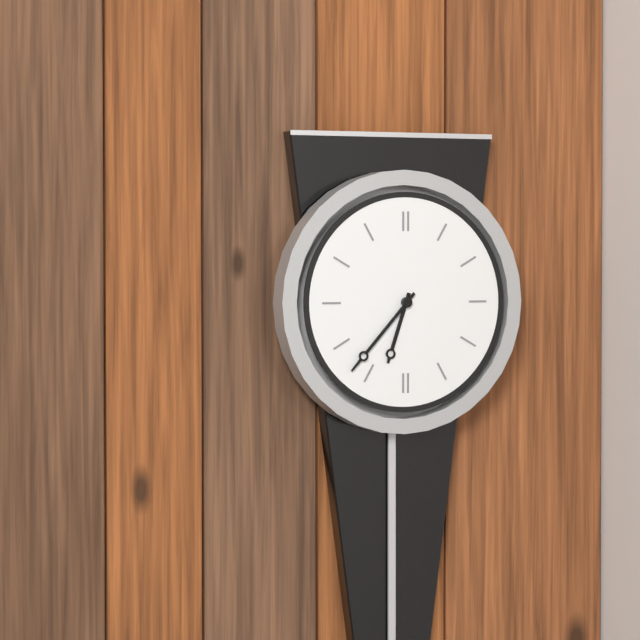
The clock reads 6:37
